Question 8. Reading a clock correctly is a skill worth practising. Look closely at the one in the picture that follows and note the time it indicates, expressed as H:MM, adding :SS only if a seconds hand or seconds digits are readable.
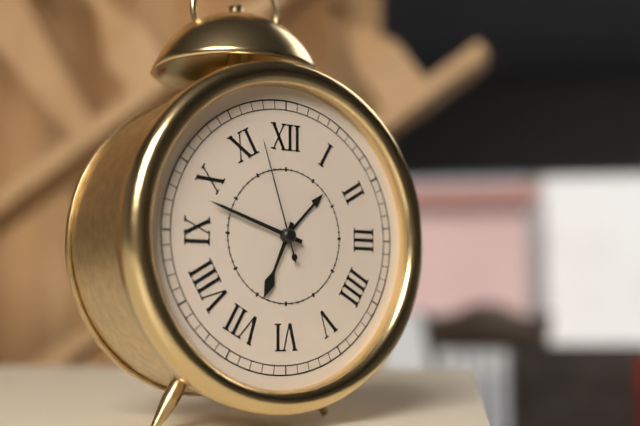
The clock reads 6:48:57
